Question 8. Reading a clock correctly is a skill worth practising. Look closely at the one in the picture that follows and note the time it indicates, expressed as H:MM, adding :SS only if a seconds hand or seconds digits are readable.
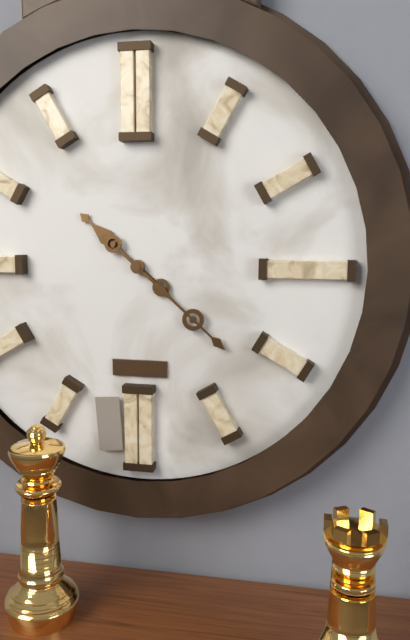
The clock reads 10:22
